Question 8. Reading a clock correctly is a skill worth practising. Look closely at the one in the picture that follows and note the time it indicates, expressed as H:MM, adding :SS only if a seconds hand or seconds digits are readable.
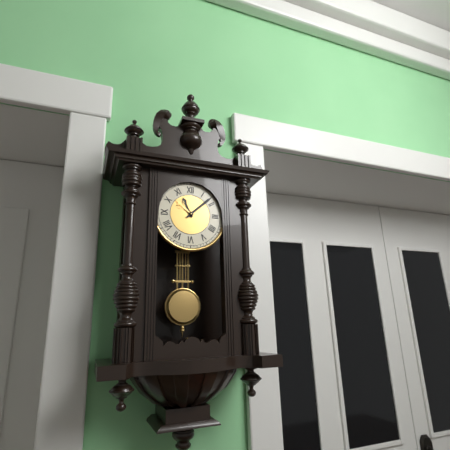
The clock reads 11:08
